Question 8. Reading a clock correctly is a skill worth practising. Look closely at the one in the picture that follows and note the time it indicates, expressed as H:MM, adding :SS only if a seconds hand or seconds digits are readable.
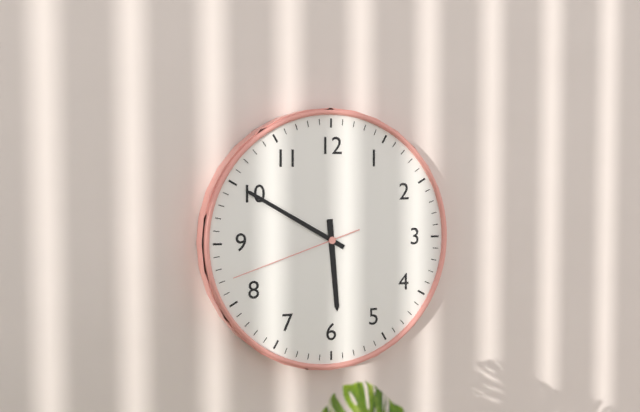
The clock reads 5:50:42
